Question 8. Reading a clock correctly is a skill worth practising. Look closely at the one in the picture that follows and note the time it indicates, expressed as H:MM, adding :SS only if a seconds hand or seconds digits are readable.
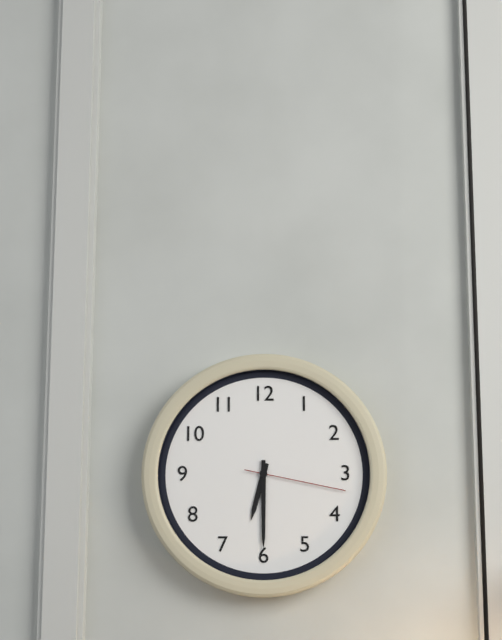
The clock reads 6:30:17
